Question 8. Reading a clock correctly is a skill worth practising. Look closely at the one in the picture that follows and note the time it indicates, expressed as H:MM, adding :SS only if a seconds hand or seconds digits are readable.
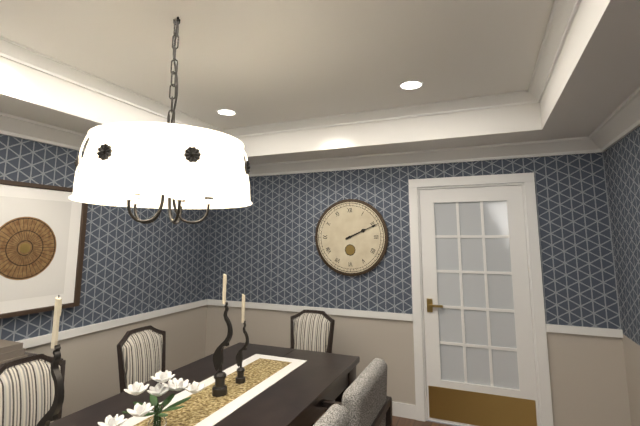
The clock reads 2:11
